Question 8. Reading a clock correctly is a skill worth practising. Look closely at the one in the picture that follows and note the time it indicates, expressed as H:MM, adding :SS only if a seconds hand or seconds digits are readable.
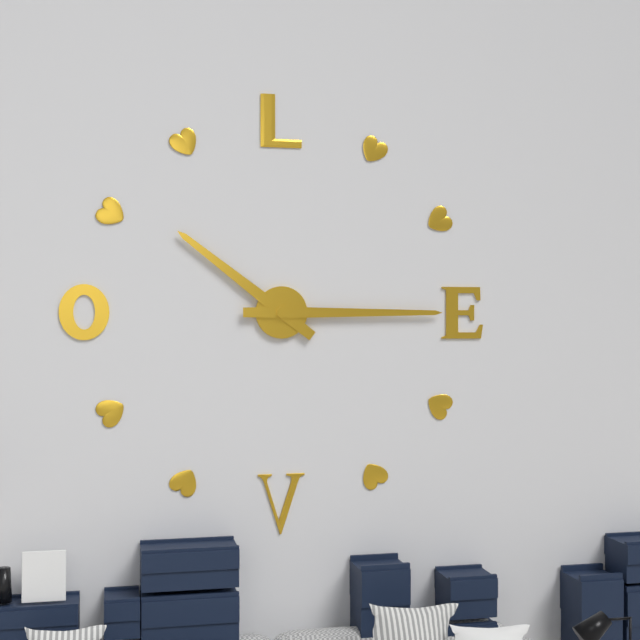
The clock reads 10:15
